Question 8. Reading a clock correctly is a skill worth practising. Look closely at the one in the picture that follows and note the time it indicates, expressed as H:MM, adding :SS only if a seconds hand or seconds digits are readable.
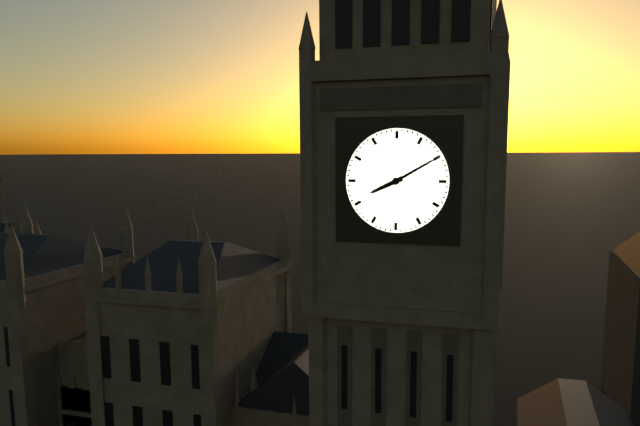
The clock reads 8:10
